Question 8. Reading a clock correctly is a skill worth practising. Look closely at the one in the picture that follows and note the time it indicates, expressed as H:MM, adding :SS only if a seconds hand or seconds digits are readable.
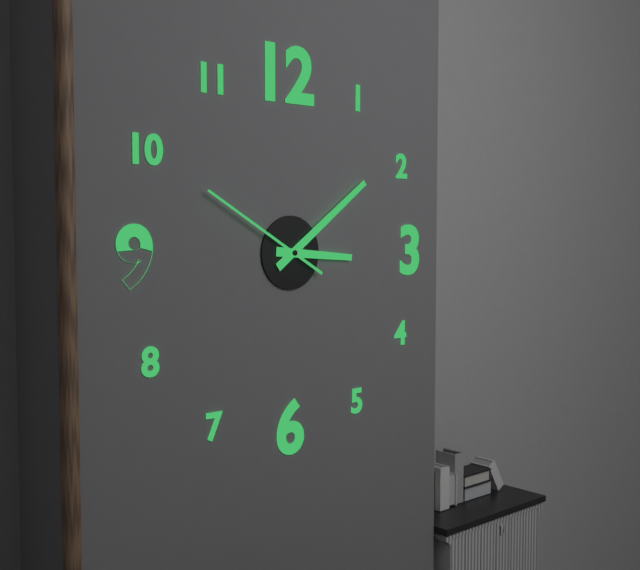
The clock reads 3:09:50
